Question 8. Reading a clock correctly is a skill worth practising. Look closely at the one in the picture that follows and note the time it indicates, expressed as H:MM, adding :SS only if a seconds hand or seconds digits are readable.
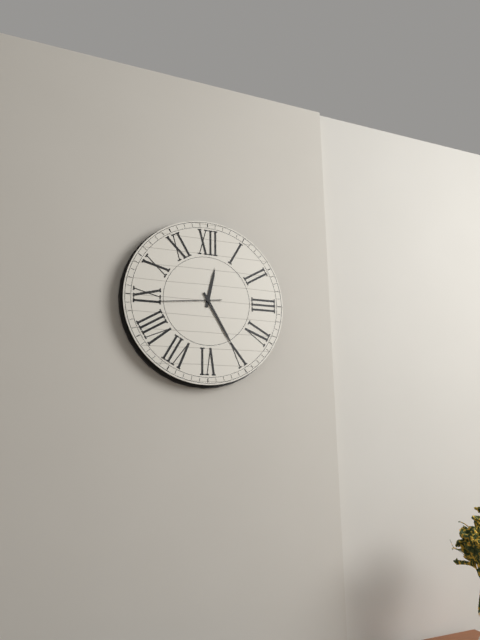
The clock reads 12:25:44
